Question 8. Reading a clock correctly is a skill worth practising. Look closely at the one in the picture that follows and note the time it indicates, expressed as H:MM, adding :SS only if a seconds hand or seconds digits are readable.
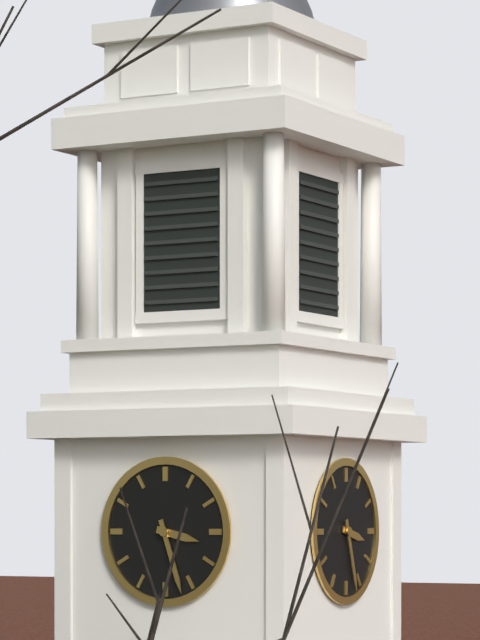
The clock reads 3:27
